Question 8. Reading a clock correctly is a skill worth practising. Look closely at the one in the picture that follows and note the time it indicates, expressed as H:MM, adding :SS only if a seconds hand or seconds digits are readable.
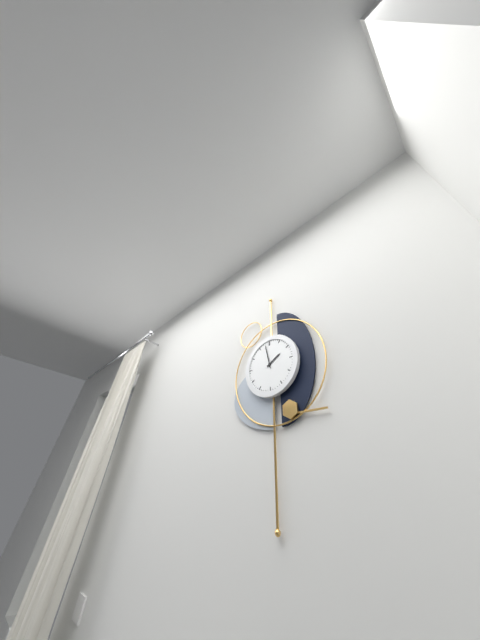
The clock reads 1:58
